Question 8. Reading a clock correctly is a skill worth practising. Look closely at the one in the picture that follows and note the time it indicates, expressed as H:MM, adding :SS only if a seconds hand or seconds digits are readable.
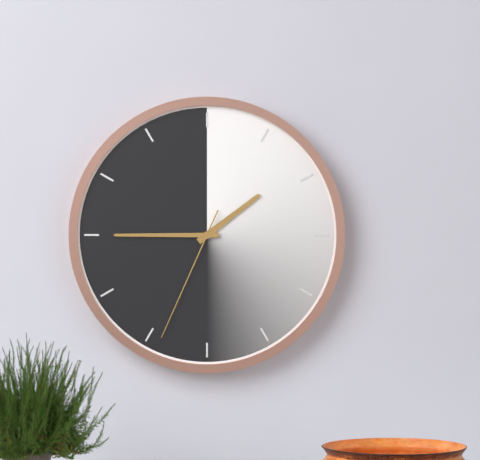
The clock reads 1:45:34
